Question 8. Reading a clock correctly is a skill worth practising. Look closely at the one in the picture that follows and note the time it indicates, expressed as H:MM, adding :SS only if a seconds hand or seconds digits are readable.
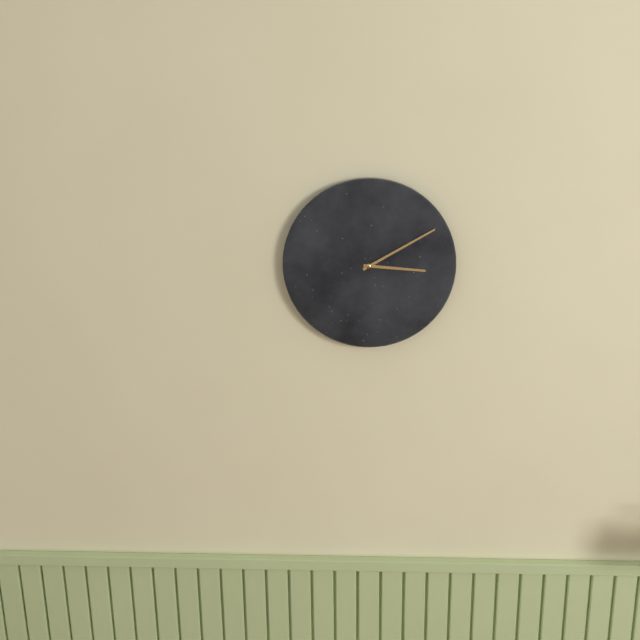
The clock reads 3:10
